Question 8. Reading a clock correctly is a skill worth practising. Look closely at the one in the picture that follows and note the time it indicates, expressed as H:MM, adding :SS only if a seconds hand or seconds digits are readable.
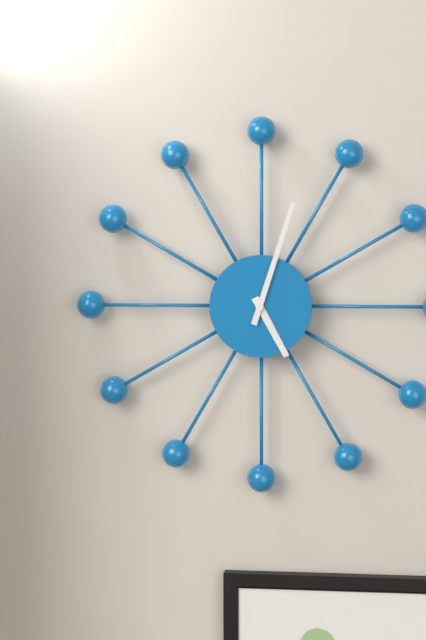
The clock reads 5:03
